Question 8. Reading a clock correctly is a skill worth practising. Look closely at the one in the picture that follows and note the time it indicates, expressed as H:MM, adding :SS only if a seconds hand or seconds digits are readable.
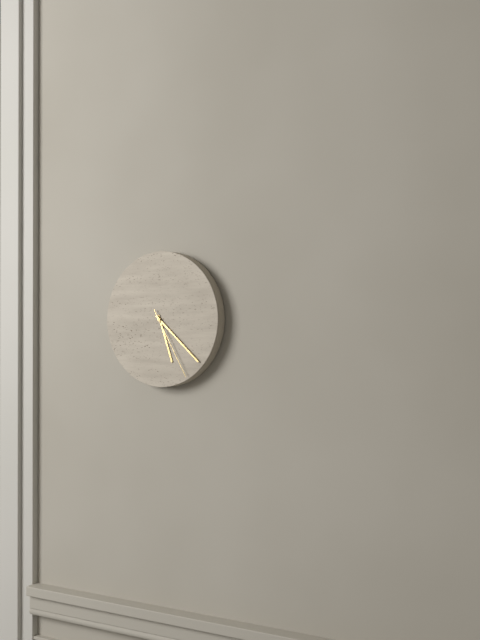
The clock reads 5:22:25
